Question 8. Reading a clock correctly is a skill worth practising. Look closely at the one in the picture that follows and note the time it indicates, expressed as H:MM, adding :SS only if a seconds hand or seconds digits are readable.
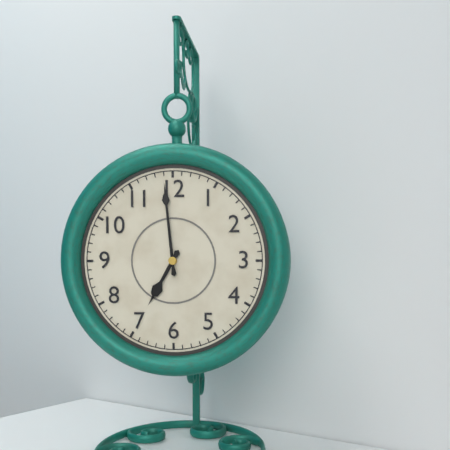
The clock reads 6:59
